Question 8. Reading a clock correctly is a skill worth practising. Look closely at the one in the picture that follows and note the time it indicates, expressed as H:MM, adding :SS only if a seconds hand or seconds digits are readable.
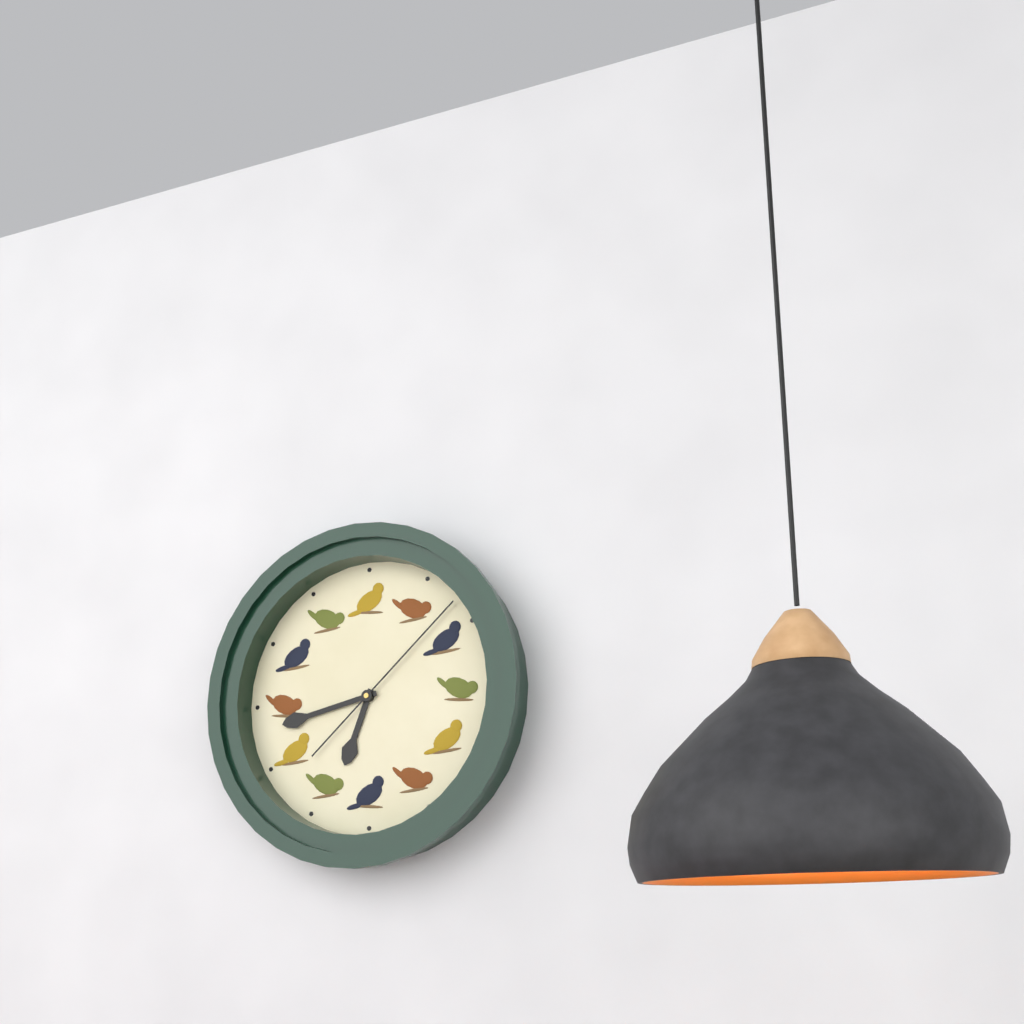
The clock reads 6:43:08
